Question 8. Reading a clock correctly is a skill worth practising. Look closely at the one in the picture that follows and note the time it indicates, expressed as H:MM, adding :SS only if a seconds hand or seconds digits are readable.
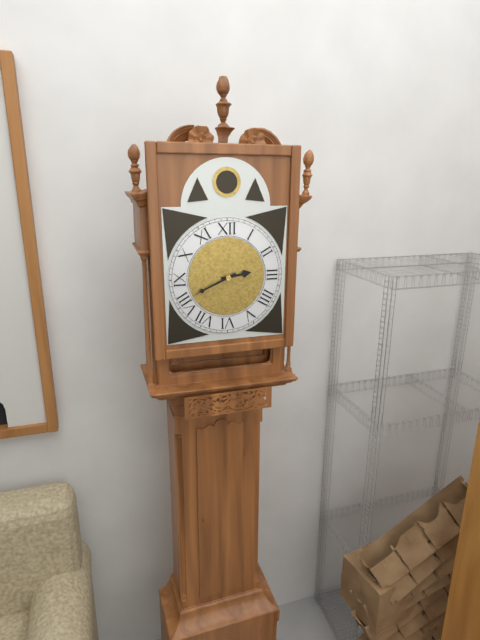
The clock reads 2:41
